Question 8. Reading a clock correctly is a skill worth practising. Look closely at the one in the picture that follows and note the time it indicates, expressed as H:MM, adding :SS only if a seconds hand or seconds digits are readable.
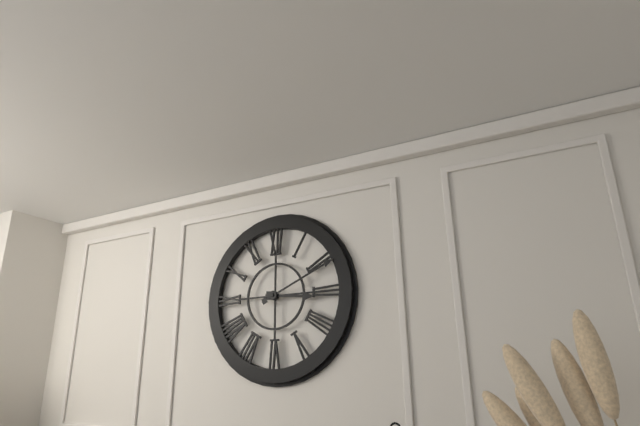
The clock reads 3:11
